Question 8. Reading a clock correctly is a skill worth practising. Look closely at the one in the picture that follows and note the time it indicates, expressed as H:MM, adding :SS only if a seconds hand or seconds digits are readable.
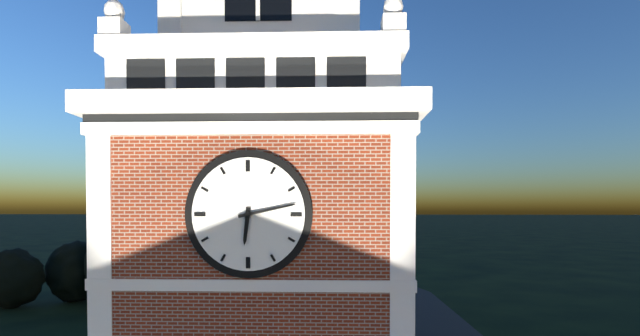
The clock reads 6:13
